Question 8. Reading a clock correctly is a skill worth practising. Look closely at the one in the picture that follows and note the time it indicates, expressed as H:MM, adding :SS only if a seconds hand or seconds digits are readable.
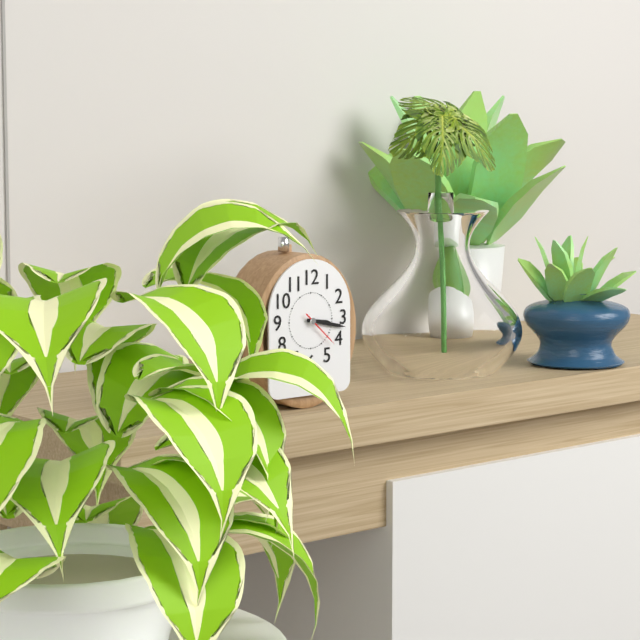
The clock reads 3:17
